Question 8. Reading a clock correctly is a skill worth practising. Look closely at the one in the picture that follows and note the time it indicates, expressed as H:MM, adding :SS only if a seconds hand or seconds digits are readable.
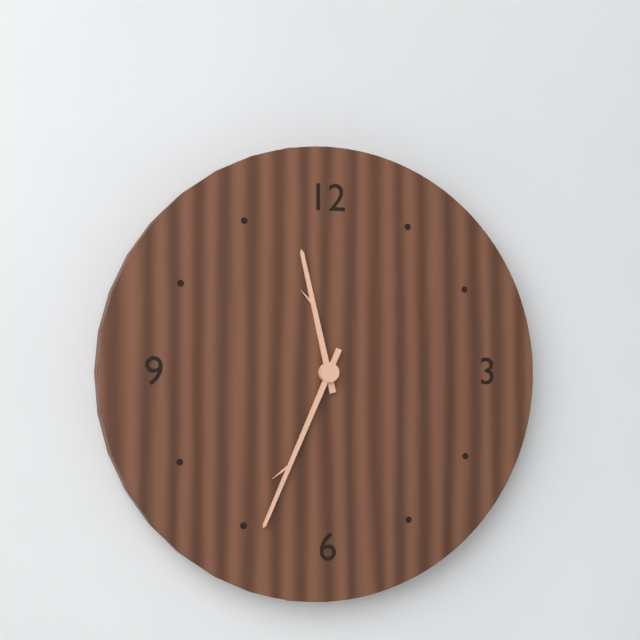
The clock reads 11:34
